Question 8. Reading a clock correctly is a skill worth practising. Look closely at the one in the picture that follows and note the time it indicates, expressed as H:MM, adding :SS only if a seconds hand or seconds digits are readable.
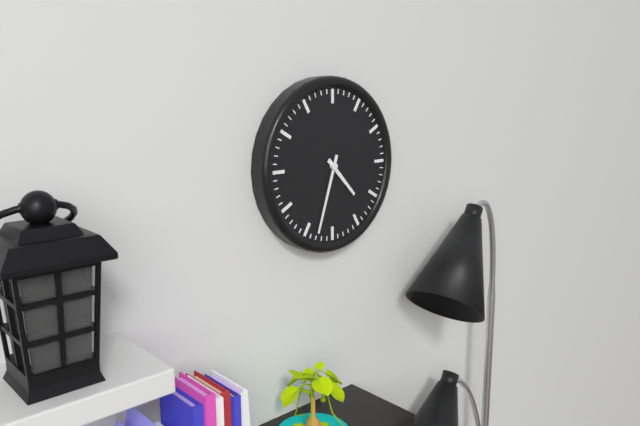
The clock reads 4:33
